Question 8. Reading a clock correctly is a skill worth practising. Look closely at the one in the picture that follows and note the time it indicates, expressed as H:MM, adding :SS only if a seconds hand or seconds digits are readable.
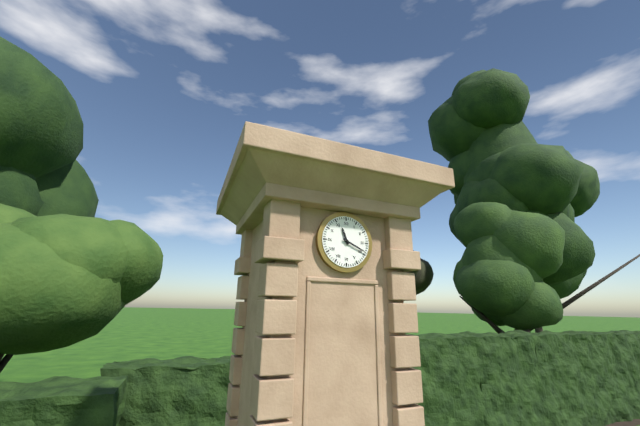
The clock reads 11:19
